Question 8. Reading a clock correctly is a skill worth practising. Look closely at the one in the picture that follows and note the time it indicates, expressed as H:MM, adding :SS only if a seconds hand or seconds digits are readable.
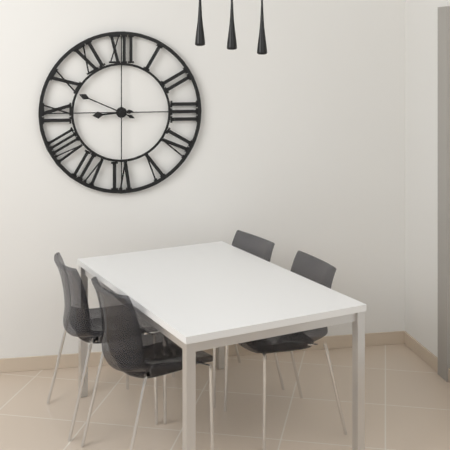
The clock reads 8:49
